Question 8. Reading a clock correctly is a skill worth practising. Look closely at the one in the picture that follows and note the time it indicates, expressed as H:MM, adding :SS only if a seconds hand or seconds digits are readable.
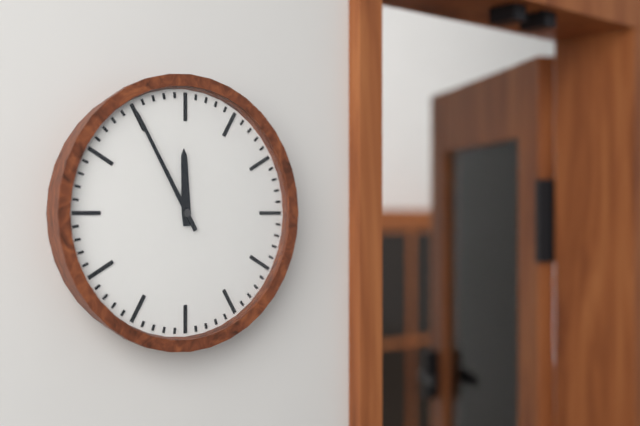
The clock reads 11:55
